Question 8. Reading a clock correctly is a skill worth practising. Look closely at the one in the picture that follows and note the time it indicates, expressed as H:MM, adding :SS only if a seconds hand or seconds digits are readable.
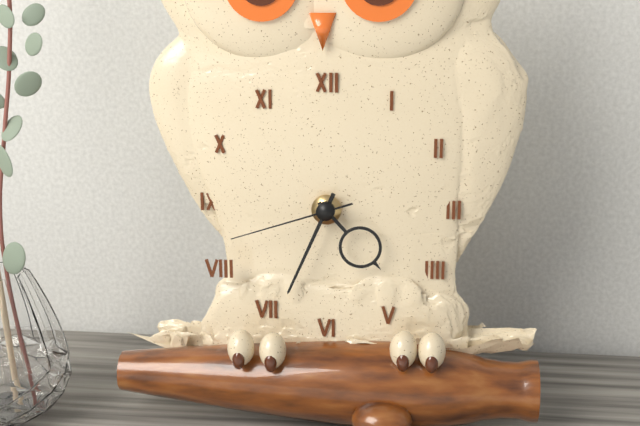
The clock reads 4:34:42
